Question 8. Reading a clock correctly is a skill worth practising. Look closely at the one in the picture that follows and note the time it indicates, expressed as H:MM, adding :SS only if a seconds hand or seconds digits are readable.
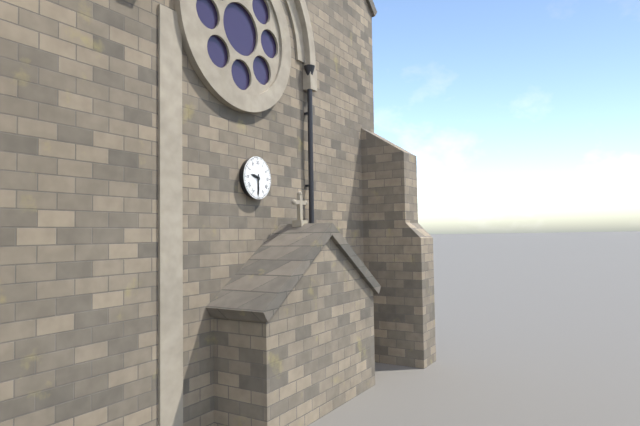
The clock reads 9:30
